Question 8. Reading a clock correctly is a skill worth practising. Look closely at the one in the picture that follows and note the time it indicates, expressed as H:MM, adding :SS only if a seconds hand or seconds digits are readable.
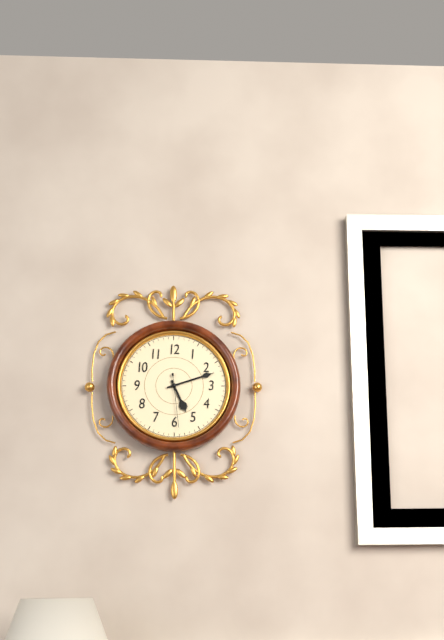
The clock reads 5:12:29
